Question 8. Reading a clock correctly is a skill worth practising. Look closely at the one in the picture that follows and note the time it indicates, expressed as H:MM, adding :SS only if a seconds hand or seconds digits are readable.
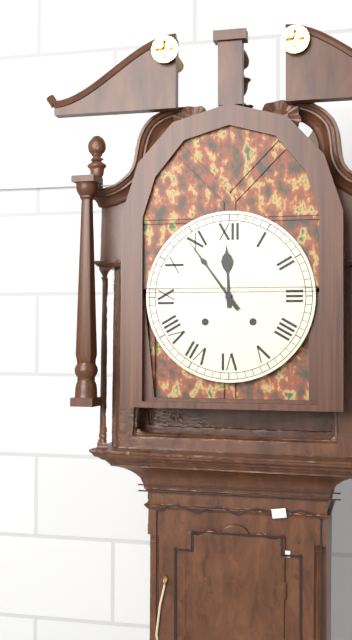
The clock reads 11:54
